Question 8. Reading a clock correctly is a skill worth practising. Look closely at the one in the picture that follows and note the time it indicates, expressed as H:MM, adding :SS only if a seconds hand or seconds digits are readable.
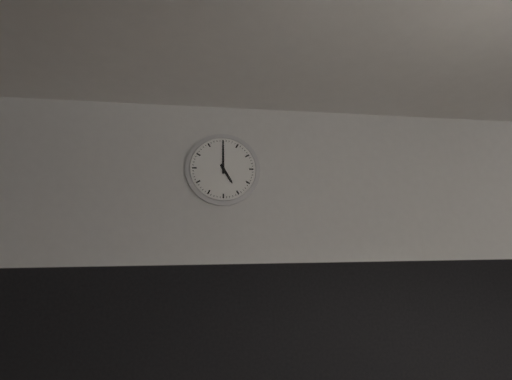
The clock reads 5:00
